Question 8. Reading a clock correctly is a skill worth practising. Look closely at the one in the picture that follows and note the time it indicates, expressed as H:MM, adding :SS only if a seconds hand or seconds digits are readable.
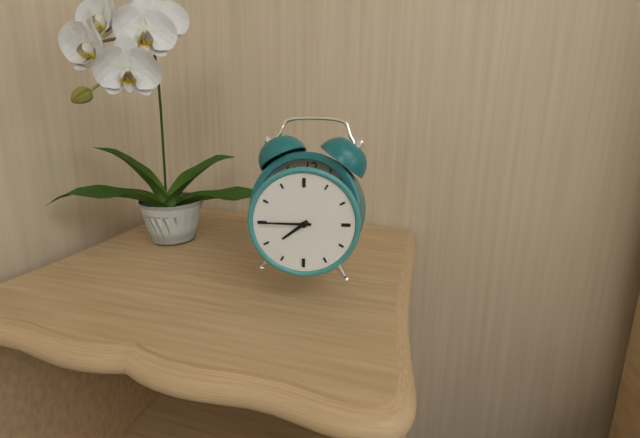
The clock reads 7:45
